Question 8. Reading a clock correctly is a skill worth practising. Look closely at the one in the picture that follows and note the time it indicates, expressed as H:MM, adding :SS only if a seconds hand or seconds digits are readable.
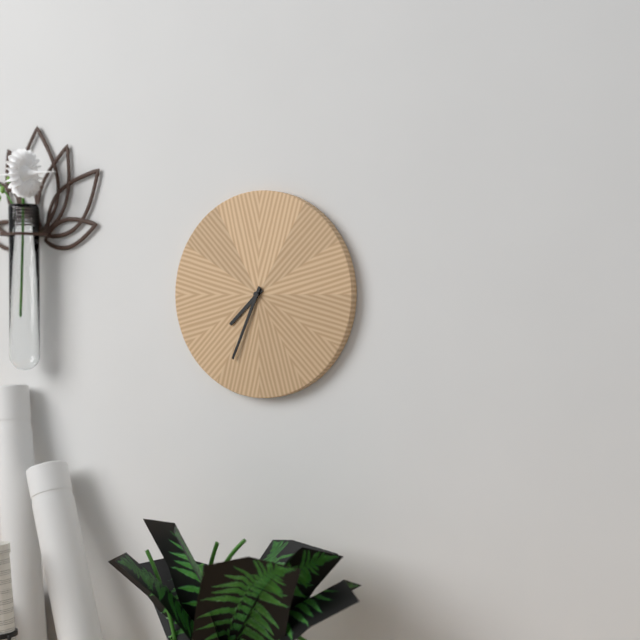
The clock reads 7:34
